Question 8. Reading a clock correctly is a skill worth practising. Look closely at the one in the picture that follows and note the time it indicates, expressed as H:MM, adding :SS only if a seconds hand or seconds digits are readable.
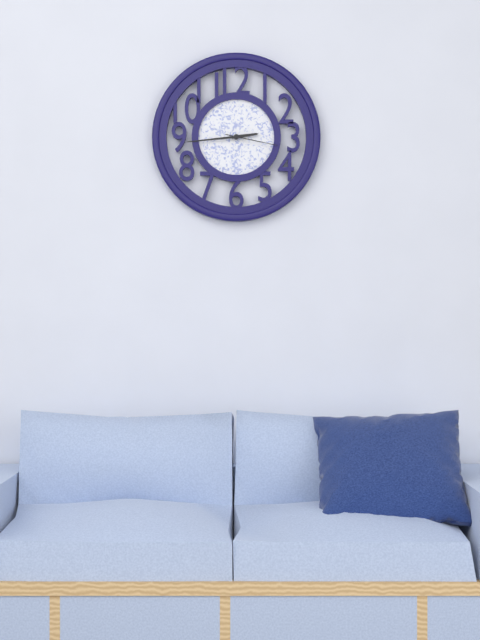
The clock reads 2:44:17
